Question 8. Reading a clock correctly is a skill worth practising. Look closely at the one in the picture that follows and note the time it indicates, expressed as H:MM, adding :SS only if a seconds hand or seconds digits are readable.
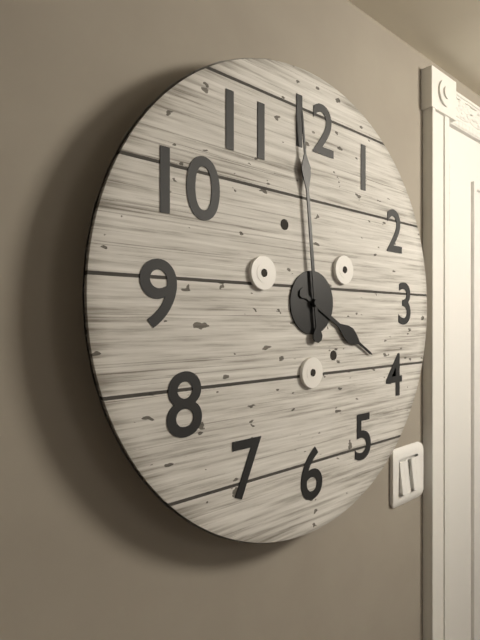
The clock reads 3:59
